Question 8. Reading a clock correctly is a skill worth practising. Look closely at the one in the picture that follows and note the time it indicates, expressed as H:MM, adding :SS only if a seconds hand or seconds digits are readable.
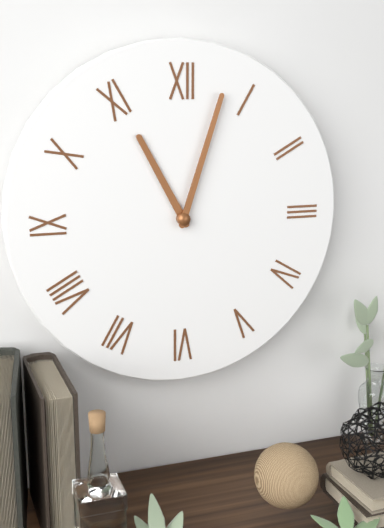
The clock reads 11:03
